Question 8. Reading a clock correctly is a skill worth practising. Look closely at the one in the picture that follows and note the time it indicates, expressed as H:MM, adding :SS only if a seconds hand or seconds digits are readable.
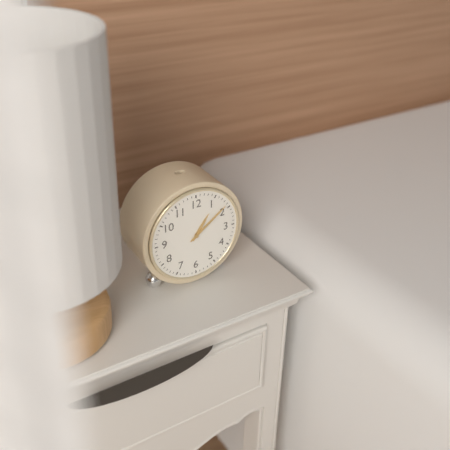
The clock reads 1:09
